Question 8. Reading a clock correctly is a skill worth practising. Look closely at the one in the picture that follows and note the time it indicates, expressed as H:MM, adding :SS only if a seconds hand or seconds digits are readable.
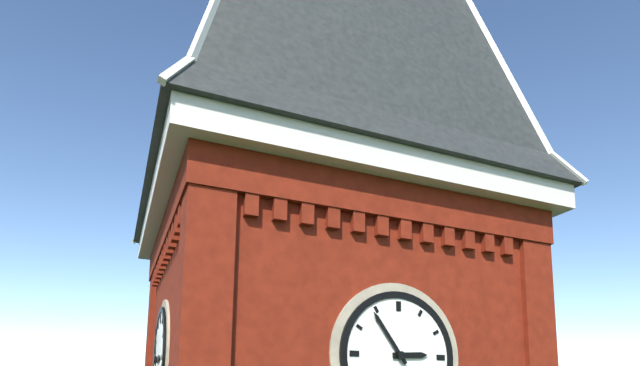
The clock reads 2:54
